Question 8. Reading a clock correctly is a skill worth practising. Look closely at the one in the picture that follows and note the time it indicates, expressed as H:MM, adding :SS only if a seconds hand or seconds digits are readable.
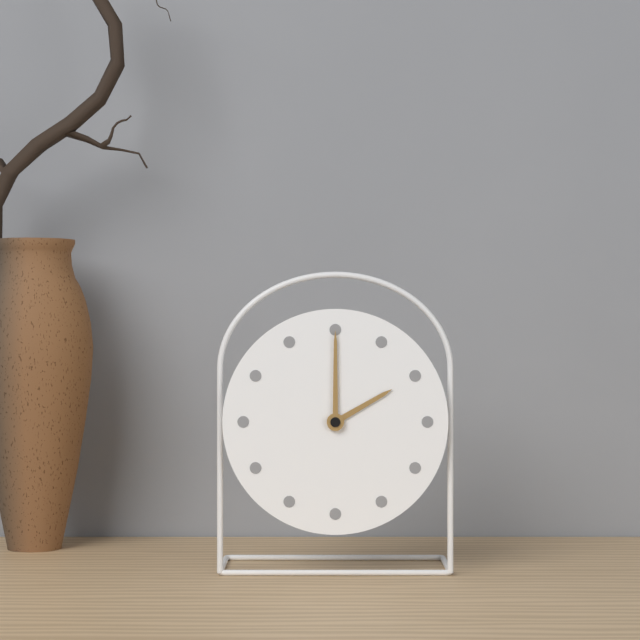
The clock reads 2:00
